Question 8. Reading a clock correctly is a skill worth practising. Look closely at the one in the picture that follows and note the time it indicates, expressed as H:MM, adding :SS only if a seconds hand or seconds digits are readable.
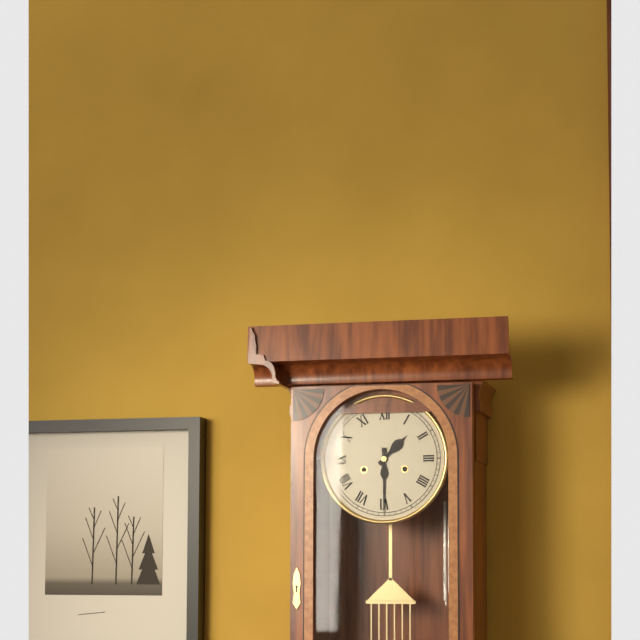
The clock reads 1:30
